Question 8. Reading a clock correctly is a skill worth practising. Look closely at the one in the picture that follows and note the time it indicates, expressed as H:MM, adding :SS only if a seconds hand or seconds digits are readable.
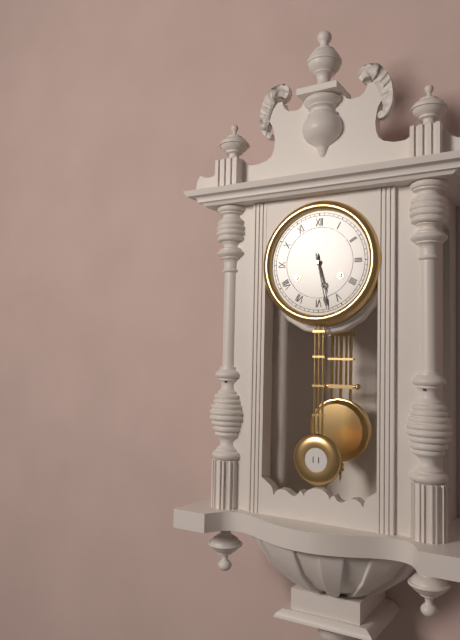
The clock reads 5:28
